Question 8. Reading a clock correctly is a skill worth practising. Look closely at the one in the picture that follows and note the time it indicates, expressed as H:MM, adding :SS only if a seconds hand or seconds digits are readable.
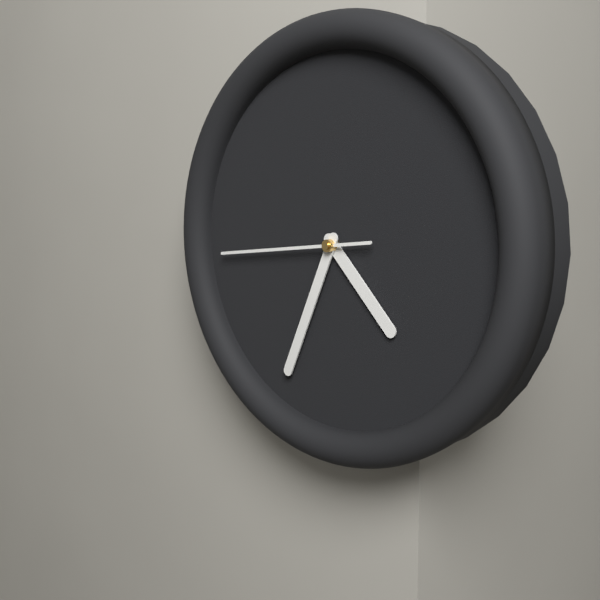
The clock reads 4:34:44
